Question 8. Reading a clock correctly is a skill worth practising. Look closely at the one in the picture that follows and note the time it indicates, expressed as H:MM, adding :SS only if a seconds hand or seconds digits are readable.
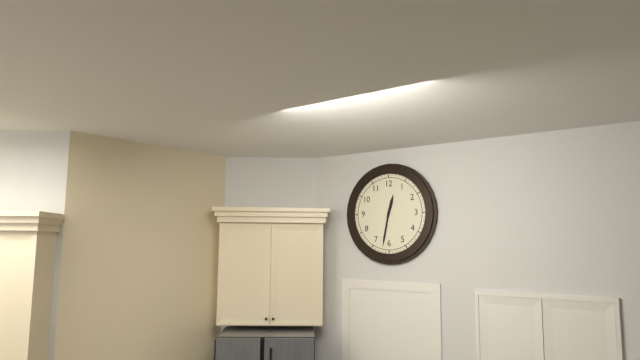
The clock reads 12:32
